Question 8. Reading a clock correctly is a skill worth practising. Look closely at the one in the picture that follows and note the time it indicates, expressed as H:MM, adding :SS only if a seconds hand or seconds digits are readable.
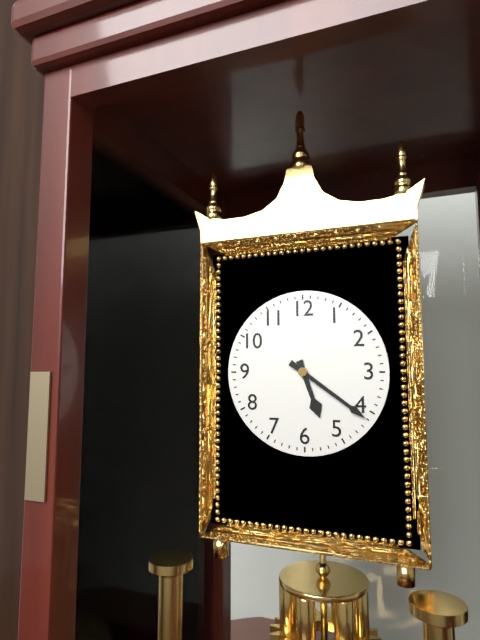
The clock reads 5:21
